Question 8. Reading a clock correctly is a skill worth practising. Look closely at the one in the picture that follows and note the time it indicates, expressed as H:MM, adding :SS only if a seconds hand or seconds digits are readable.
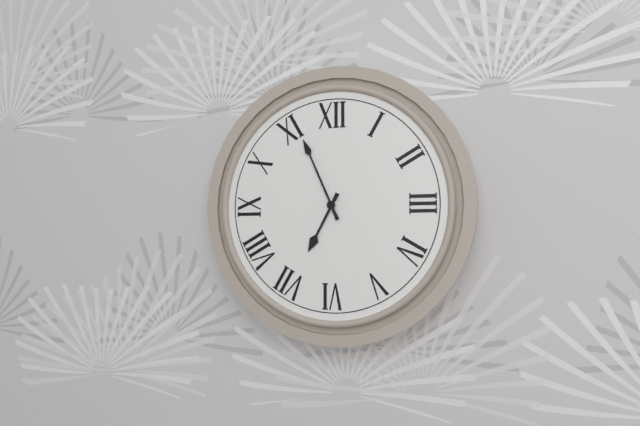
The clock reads 6:56
